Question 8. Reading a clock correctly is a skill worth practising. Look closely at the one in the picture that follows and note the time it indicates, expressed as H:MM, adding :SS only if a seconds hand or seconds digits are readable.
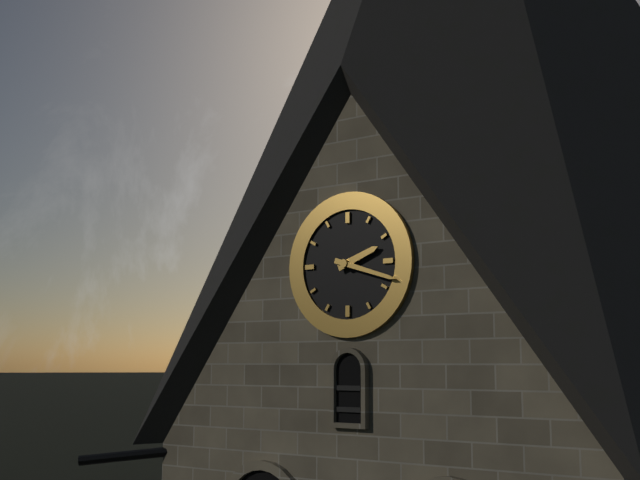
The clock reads 2:18
